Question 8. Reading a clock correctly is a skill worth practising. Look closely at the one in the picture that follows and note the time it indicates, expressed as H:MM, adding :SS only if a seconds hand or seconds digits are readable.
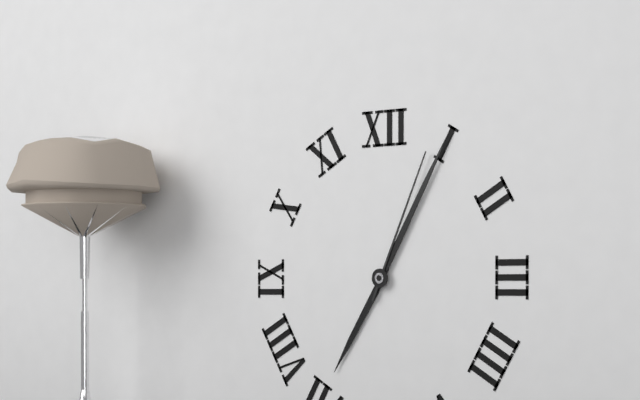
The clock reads 7:05:04
